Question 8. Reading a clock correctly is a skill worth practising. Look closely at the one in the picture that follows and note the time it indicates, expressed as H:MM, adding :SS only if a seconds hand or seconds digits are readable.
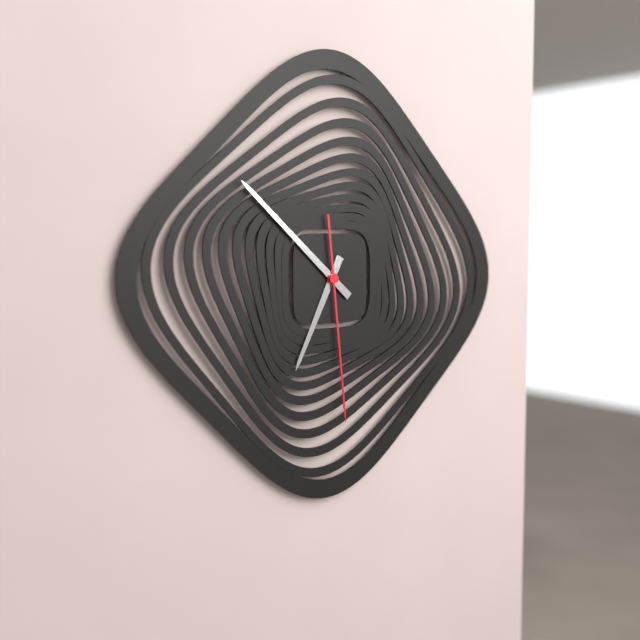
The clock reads 6:52:29
